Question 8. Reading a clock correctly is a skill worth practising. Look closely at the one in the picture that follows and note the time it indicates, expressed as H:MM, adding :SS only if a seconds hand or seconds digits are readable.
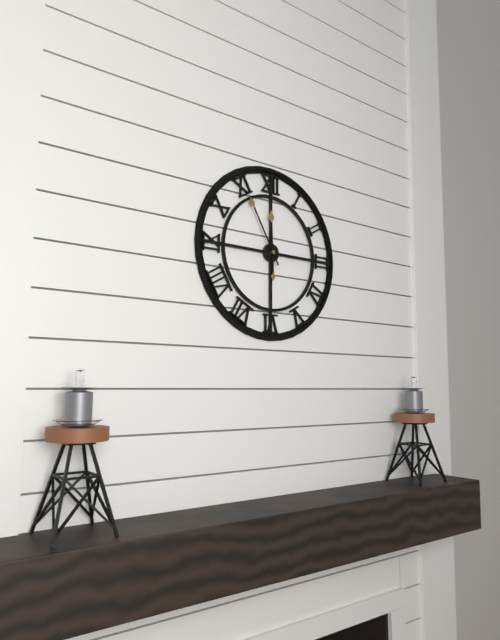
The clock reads 11:55
